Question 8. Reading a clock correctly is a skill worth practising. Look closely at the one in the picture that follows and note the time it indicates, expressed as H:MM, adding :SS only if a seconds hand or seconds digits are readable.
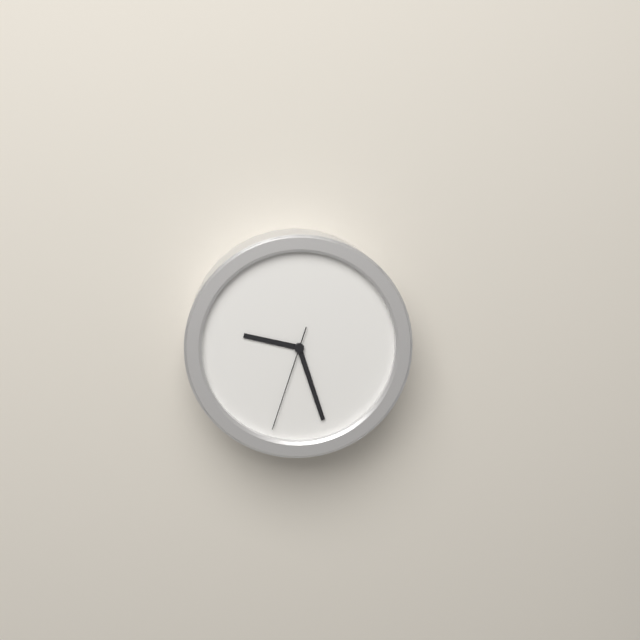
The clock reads 9:27:33
